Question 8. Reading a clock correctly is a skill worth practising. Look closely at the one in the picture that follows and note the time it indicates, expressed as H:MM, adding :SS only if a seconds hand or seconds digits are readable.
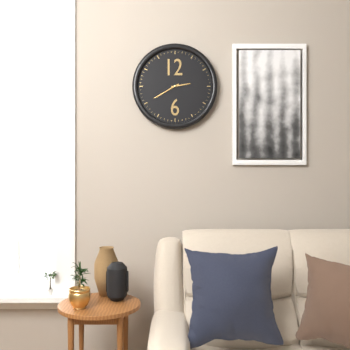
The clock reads 2:40
